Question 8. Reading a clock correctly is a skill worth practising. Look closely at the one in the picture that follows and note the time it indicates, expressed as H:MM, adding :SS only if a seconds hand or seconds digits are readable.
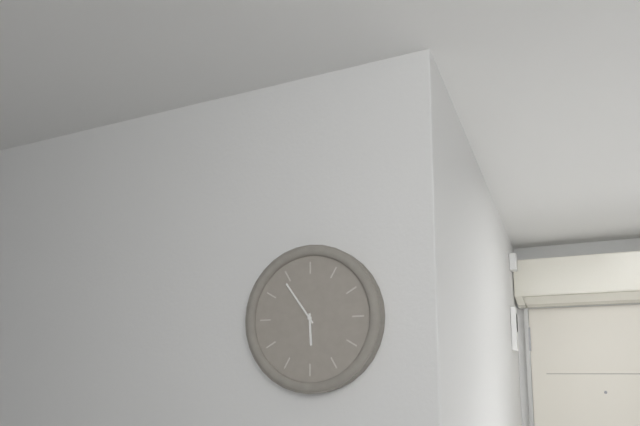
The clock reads 5:54
